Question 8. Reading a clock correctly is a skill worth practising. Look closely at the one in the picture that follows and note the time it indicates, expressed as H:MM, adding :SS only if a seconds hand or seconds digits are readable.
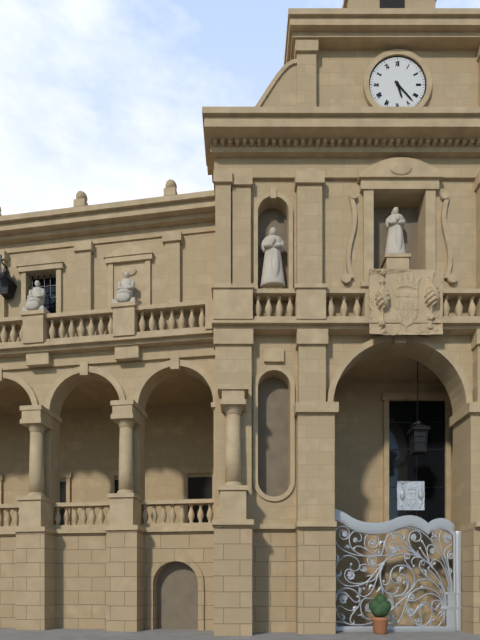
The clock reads 5:23
